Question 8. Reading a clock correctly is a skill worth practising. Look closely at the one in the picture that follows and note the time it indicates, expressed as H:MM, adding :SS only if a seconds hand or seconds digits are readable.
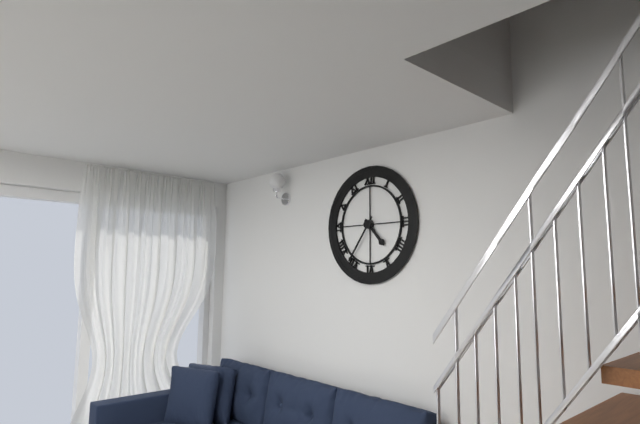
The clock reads 4:36
